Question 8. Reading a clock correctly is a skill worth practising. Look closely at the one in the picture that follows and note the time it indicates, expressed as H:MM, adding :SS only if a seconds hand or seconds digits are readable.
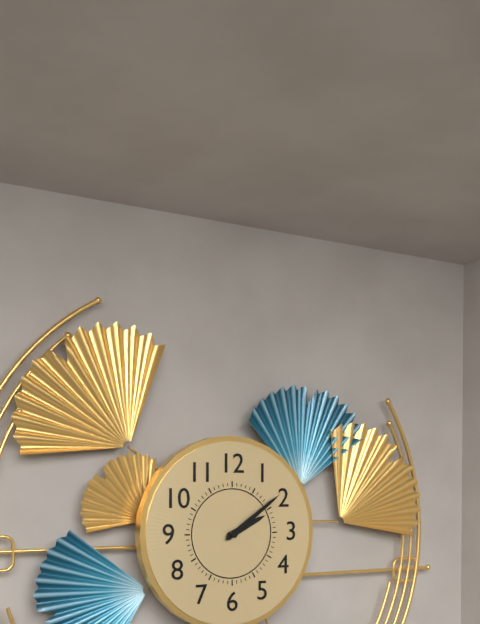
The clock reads 2:09
